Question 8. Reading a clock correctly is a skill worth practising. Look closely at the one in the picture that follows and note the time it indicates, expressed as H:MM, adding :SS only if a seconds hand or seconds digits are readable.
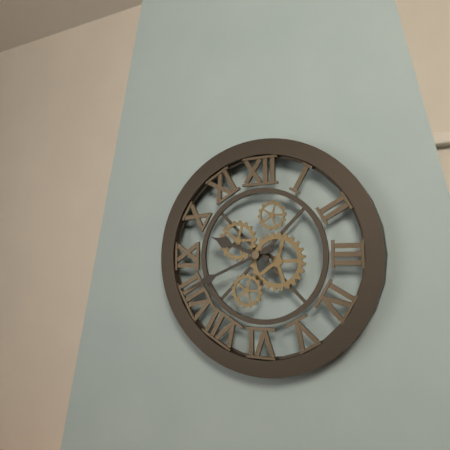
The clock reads 9:41
